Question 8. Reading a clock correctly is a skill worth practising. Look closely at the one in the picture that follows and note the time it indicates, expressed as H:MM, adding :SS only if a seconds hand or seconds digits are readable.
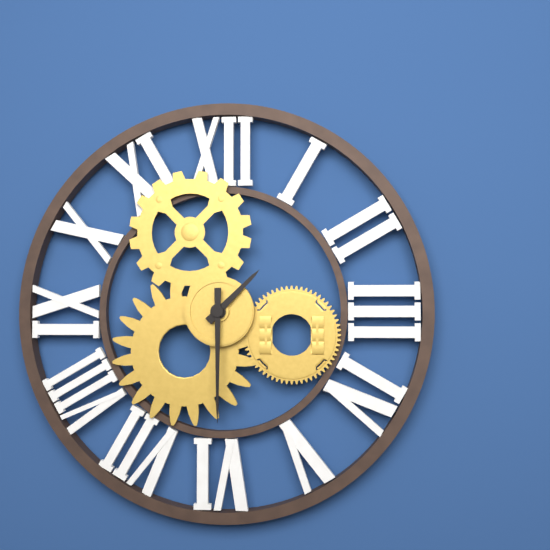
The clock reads 1:30
